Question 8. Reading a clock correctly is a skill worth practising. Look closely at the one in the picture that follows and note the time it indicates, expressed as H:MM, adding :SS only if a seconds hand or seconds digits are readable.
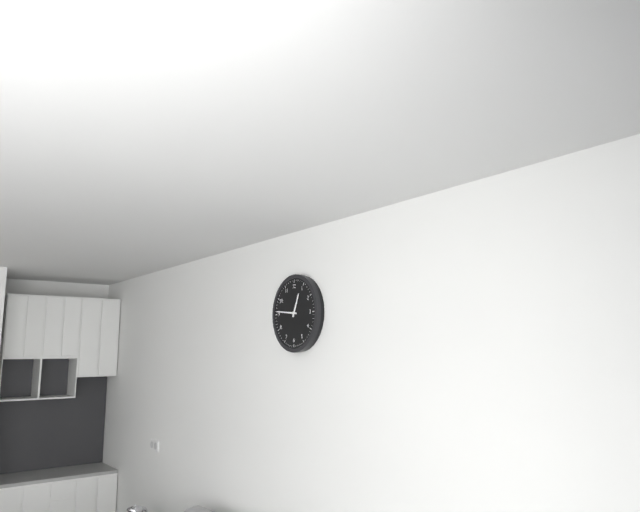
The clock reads 12:46
